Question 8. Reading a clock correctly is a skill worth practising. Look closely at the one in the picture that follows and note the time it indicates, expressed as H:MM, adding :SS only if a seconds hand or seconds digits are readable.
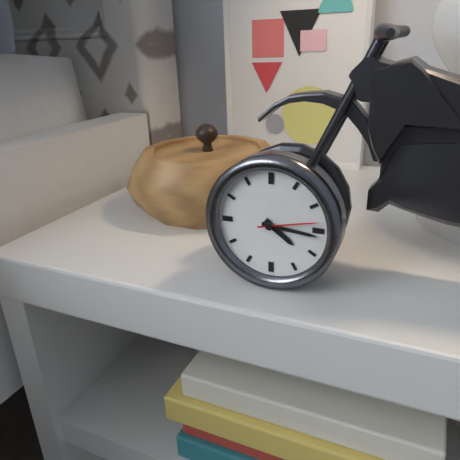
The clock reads 4:16:13
